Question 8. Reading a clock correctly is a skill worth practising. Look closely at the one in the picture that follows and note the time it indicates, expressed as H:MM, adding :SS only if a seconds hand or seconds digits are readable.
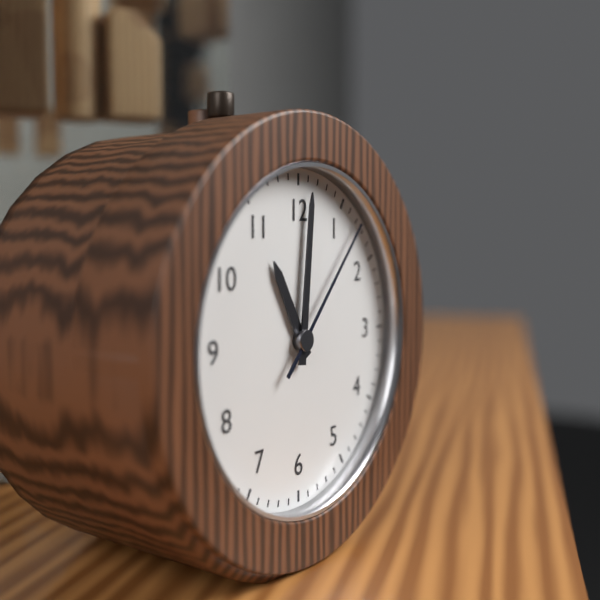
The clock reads 11:01:07
